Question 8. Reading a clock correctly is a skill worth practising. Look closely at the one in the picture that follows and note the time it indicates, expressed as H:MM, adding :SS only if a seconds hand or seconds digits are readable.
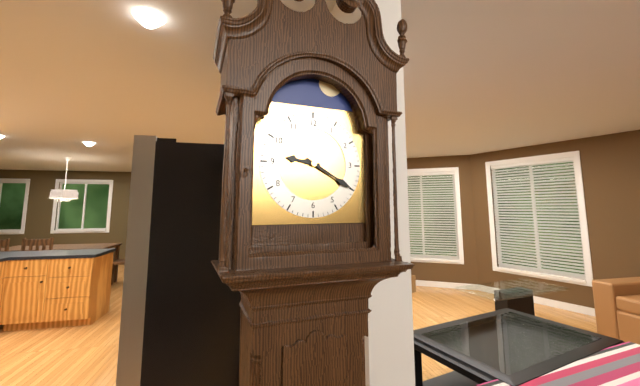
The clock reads 9:20
